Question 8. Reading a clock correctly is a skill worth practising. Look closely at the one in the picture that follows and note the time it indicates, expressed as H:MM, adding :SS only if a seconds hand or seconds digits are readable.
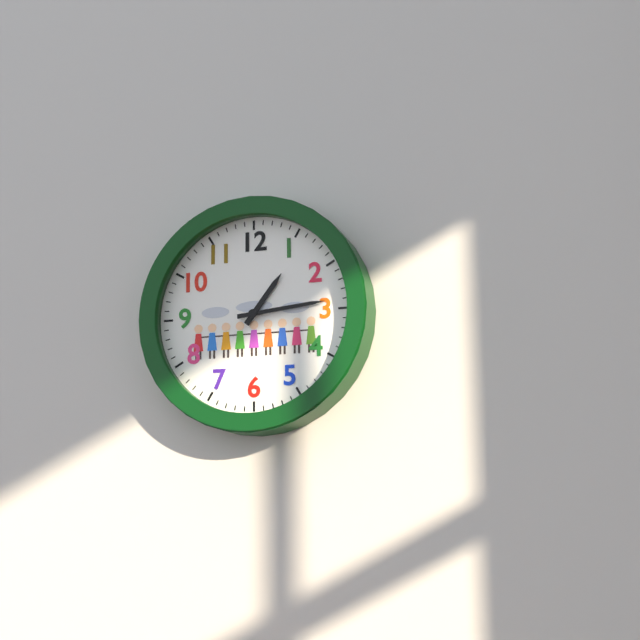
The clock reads 1:14
